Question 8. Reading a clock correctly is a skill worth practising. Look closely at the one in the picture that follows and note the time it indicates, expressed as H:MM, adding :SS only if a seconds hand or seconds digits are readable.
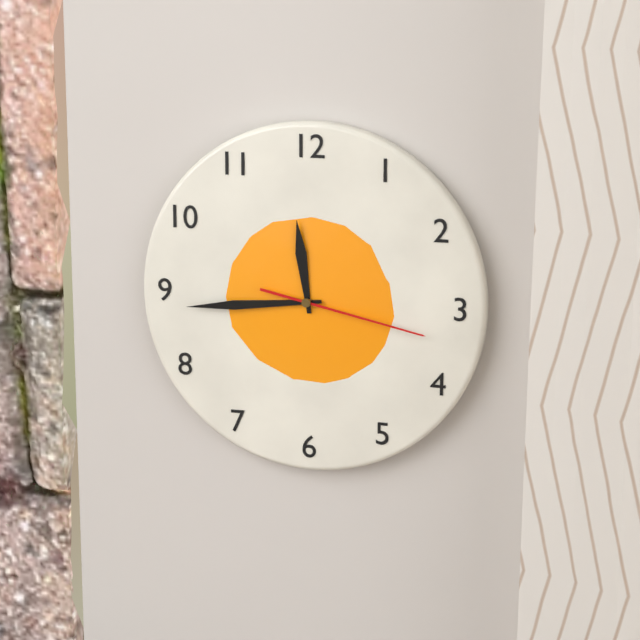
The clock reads 11:44:17
